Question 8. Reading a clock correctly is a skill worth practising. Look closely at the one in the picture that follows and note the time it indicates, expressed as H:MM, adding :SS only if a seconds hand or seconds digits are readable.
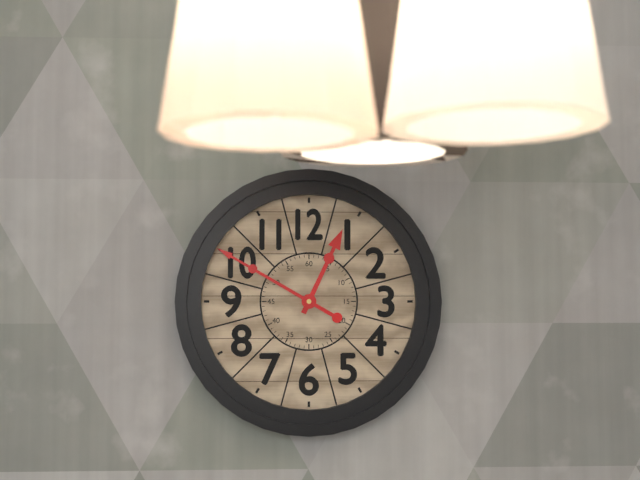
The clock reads 12:50
